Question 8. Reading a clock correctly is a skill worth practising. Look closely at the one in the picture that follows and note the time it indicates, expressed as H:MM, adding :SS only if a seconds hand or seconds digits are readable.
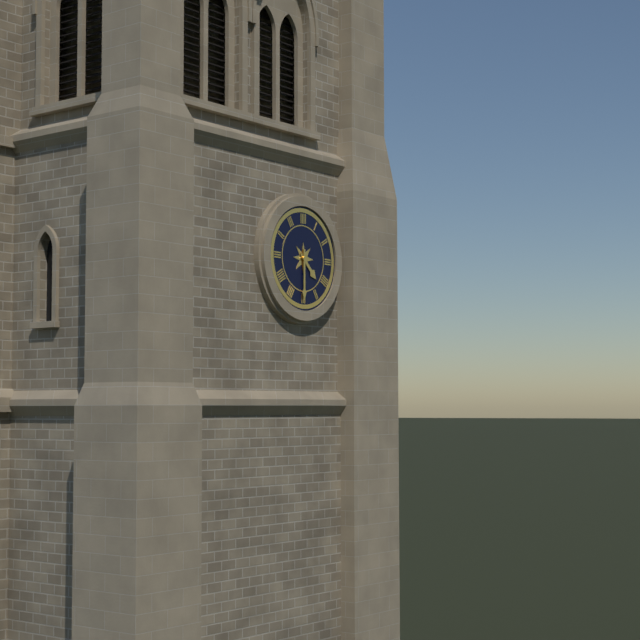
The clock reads 4:30
